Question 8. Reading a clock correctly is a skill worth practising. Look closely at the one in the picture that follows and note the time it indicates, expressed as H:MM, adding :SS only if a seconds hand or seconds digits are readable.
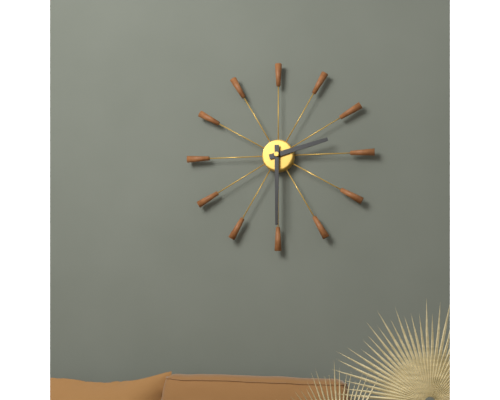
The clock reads 2:30
